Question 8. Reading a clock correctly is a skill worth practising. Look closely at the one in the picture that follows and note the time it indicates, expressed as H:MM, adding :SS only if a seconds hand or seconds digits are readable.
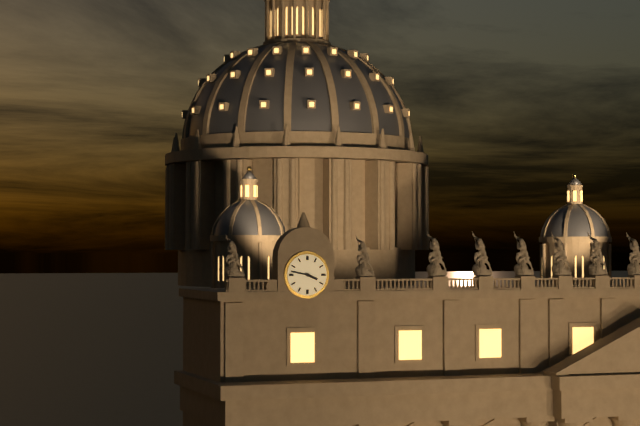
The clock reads 3:47
